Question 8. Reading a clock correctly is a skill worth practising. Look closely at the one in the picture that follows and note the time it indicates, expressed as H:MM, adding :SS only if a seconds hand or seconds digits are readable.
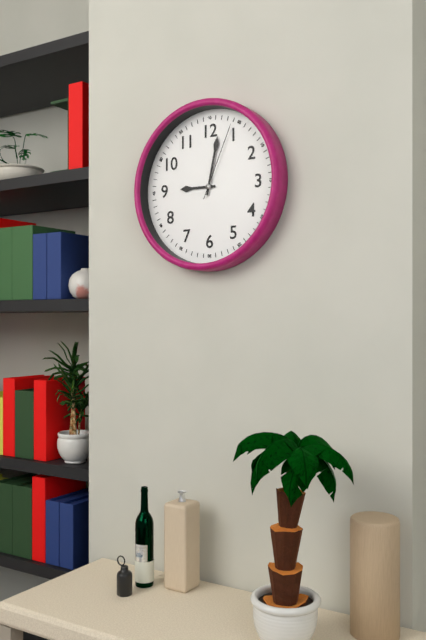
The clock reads 9:02:04
